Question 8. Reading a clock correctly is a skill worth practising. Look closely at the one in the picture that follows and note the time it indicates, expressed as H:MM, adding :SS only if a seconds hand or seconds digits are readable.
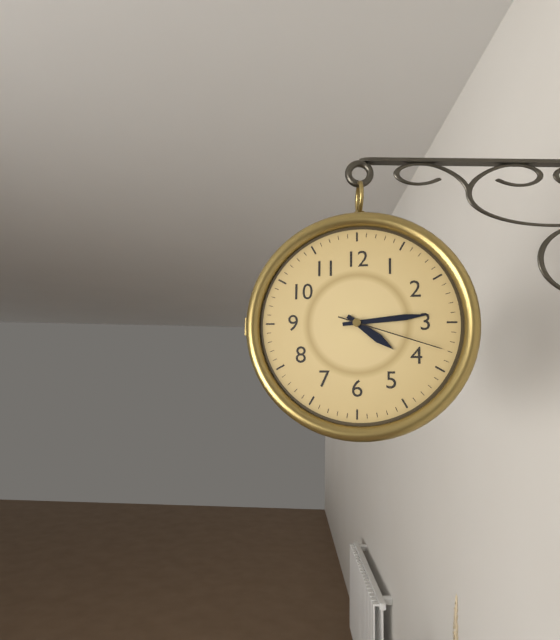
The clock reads 4:14:18
